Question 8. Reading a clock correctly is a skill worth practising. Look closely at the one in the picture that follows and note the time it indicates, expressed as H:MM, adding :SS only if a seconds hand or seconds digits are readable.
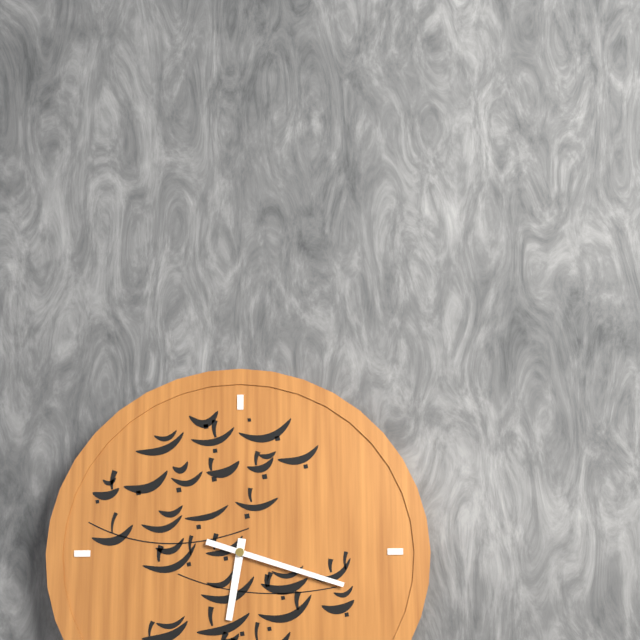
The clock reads 6:18
